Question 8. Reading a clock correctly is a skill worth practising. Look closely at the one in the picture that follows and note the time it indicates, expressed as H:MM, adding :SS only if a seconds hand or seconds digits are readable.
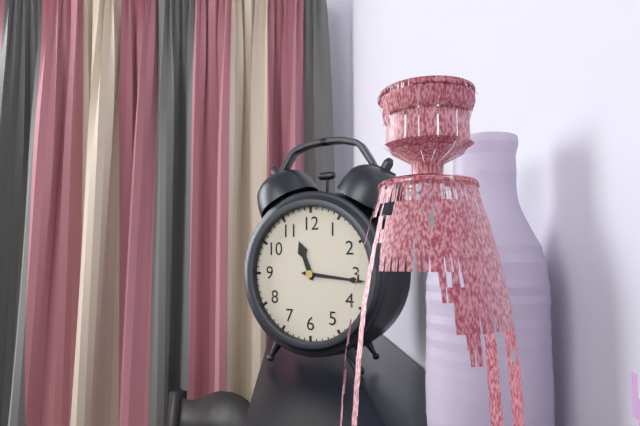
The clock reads 11:16
